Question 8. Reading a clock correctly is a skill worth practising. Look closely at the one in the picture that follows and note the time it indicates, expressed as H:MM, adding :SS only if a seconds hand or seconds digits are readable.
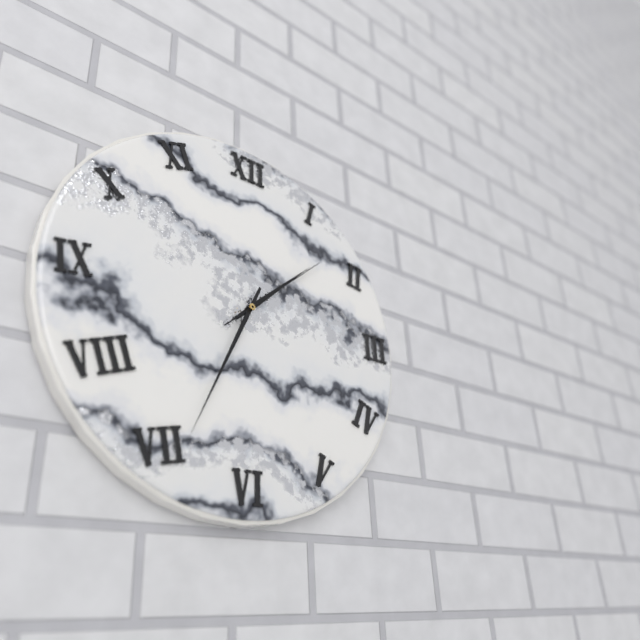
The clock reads 1:34:08
